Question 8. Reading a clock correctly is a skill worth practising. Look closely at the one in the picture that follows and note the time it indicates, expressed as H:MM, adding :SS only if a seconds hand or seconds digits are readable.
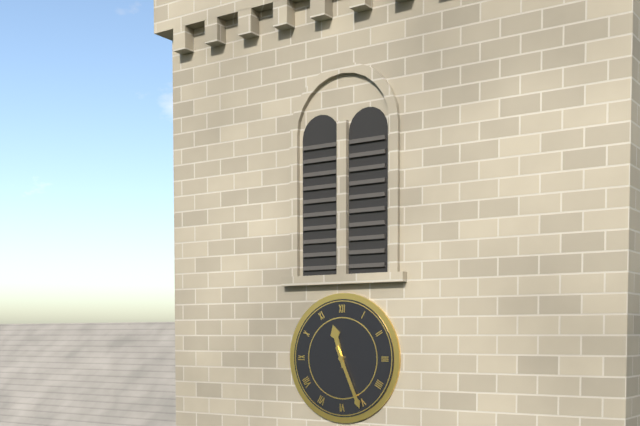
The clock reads 11:26
